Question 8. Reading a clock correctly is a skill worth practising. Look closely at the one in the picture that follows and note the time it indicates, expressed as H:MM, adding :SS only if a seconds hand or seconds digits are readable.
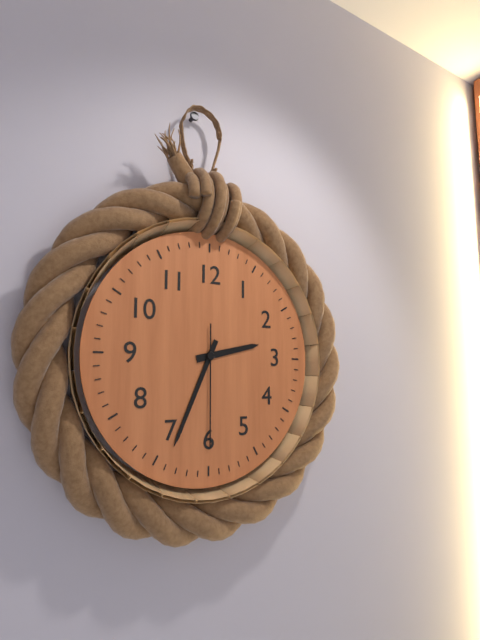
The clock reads 2:34:30
